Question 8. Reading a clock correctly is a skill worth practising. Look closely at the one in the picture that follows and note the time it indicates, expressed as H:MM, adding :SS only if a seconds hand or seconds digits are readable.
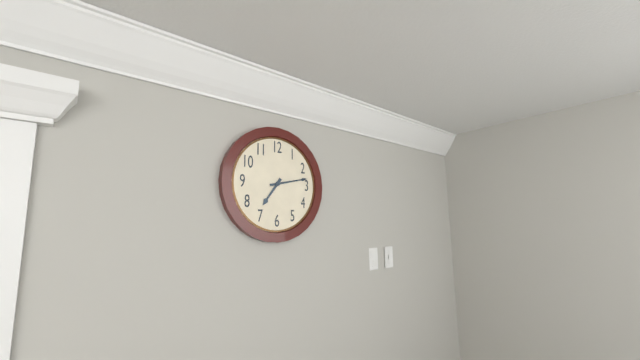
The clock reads 7:13
